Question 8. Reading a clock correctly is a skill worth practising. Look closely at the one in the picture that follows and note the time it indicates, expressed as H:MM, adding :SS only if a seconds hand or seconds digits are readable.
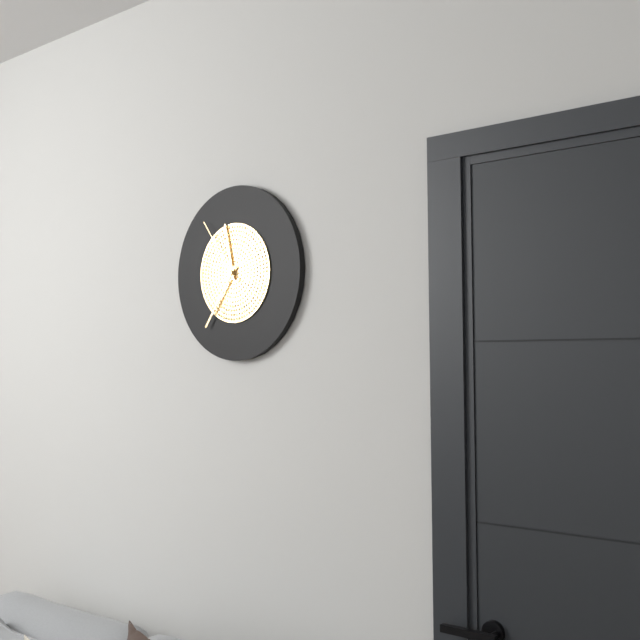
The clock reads 11:36:54
